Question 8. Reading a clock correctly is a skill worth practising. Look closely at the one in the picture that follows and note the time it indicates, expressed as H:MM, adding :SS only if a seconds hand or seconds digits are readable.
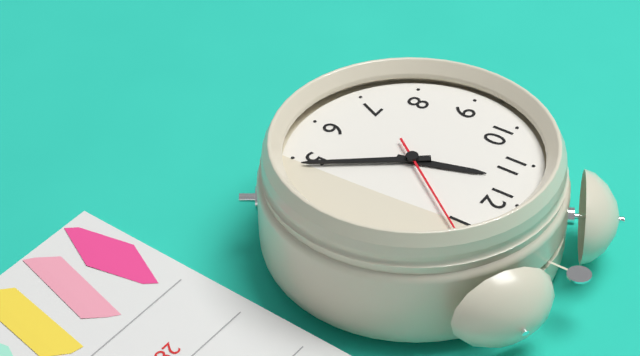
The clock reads 11:24:06
